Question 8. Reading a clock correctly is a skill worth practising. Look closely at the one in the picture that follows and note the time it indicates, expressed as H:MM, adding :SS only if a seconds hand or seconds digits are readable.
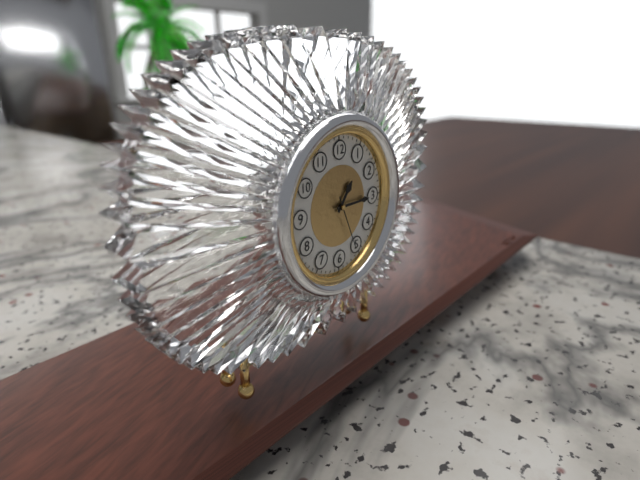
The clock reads 1:15:26
